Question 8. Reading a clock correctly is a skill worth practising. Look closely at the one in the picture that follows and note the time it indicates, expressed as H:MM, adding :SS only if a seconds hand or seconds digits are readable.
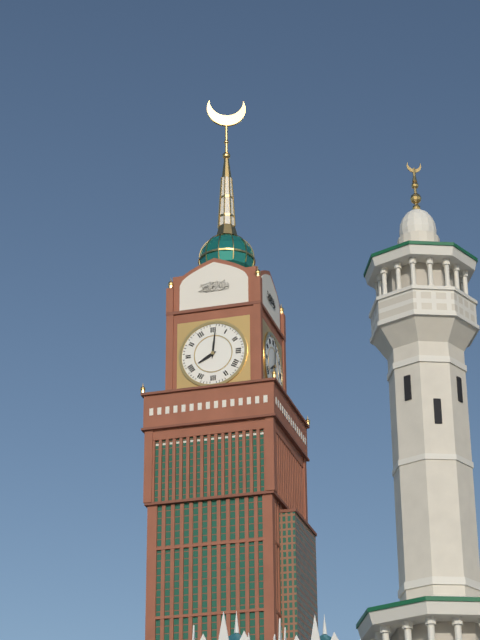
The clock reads 8:01
